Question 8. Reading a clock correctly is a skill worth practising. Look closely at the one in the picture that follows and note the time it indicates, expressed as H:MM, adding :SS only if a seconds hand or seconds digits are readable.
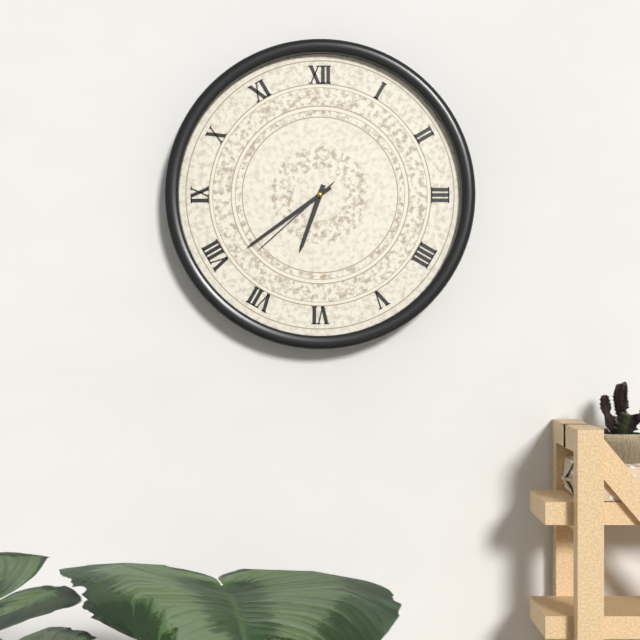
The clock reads 6:39:38
